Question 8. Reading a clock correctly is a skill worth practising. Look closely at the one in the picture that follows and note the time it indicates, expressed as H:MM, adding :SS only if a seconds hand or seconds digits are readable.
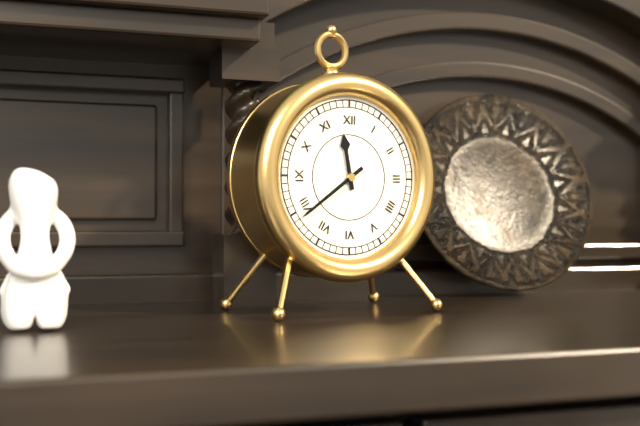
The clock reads 11:39
